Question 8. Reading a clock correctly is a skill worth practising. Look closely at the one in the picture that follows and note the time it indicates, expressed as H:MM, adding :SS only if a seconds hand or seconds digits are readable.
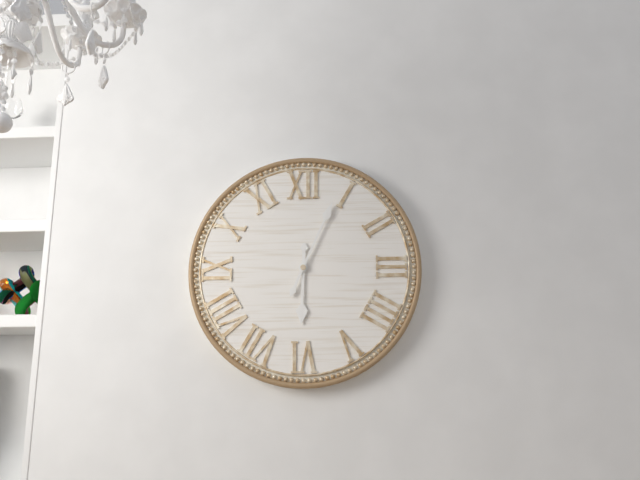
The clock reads 6:04
